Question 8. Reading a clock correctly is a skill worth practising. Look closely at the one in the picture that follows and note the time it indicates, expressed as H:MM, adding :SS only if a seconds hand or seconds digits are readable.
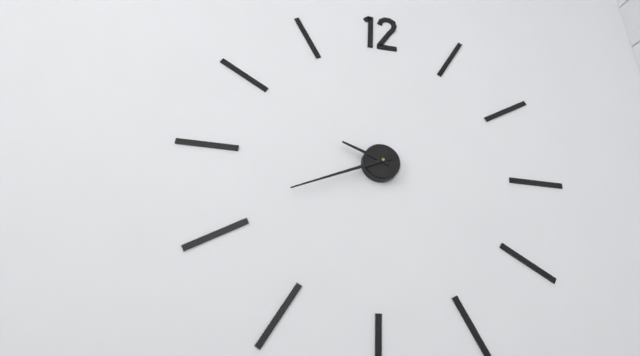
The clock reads 9:41
